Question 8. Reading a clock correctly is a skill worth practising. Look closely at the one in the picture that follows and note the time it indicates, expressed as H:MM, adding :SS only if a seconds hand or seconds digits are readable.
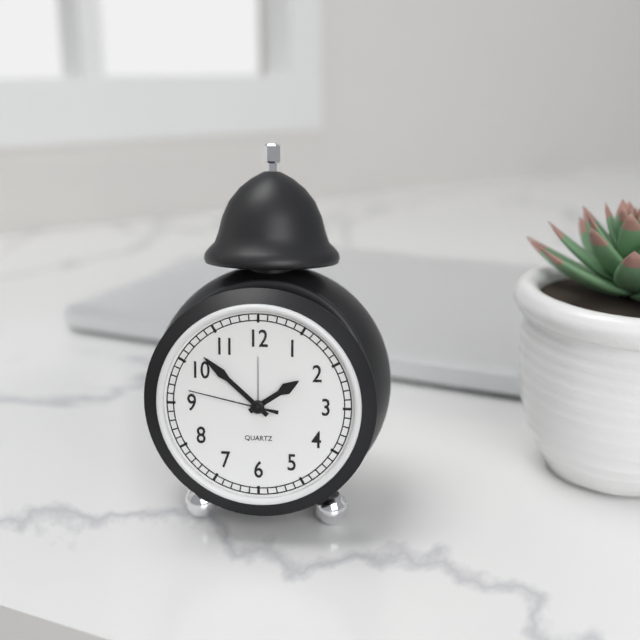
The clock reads 1:52:47
